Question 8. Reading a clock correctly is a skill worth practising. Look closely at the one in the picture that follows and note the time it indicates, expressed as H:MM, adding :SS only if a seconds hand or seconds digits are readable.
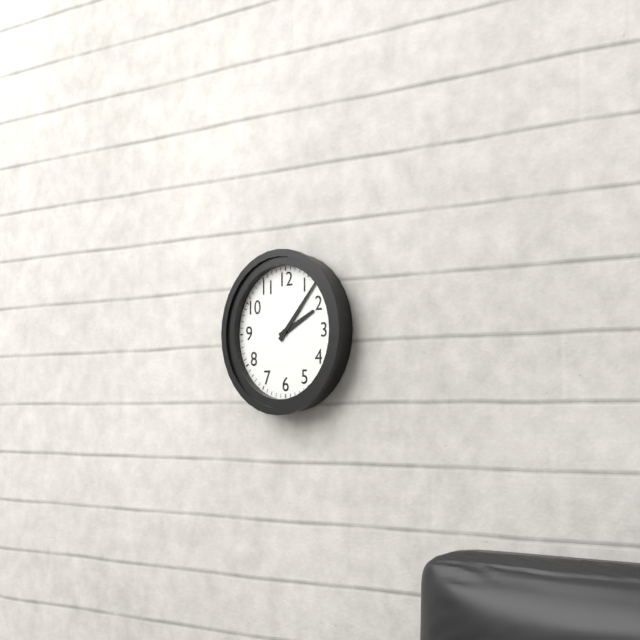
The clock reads 2:07
